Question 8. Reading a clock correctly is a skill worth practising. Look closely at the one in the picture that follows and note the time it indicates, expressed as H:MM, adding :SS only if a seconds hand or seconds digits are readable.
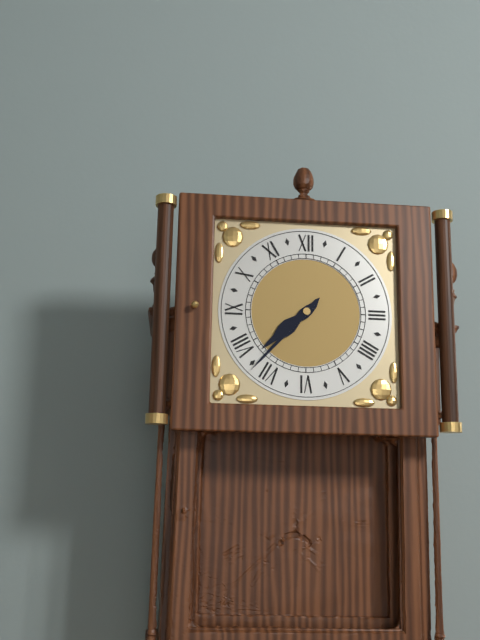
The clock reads 7:37
